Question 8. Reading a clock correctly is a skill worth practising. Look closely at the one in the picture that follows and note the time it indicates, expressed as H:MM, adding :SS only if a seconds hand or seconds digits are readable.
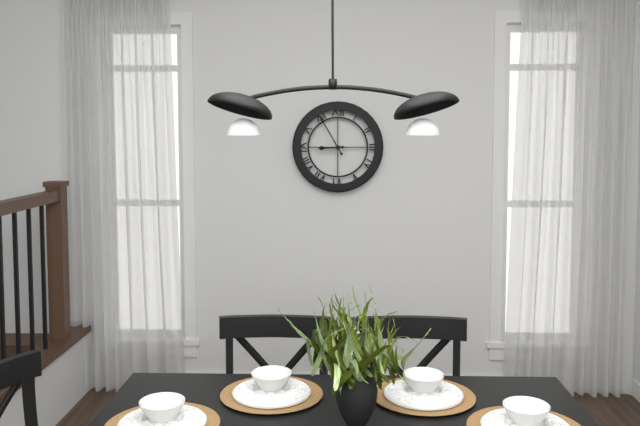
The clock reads 8:55
